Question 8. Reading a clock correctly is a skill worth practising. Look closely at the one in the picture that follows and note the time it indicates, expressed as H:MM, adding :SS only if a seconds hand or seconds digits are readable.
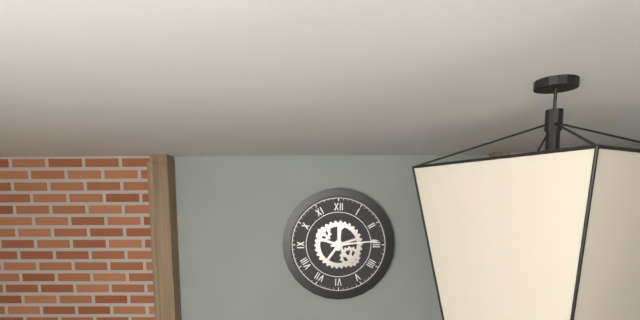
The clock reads 12:14
